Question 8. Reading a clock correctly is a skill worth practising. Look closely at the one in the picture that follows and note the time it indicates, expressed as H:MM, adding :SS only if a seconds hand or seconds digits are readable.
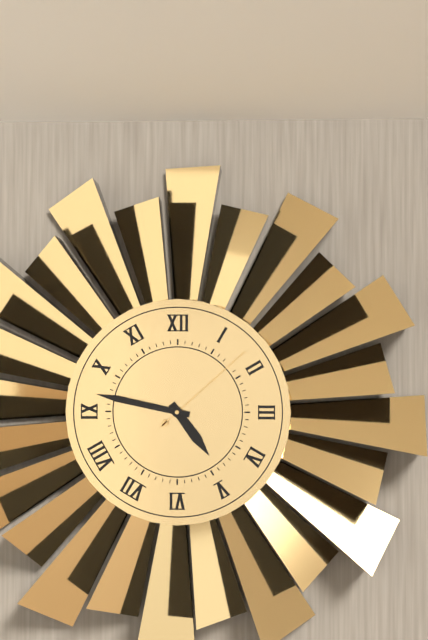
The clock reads 4:47:08
